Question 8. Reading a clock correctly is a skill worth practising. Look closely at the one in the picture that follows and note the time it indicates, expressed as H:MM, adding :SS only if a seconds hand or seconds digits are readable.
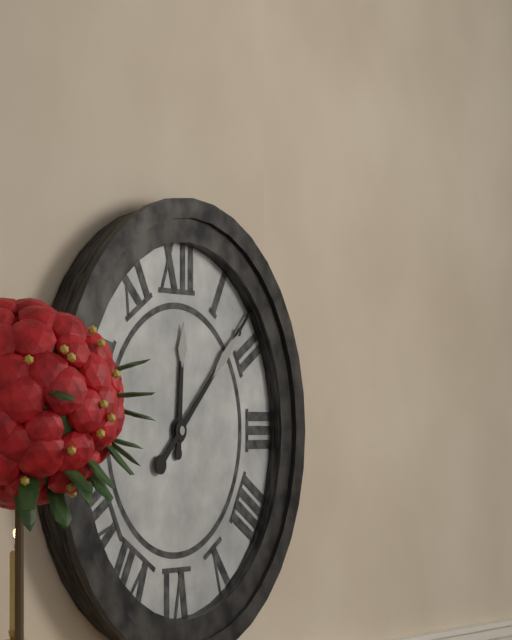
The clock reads 12:08
